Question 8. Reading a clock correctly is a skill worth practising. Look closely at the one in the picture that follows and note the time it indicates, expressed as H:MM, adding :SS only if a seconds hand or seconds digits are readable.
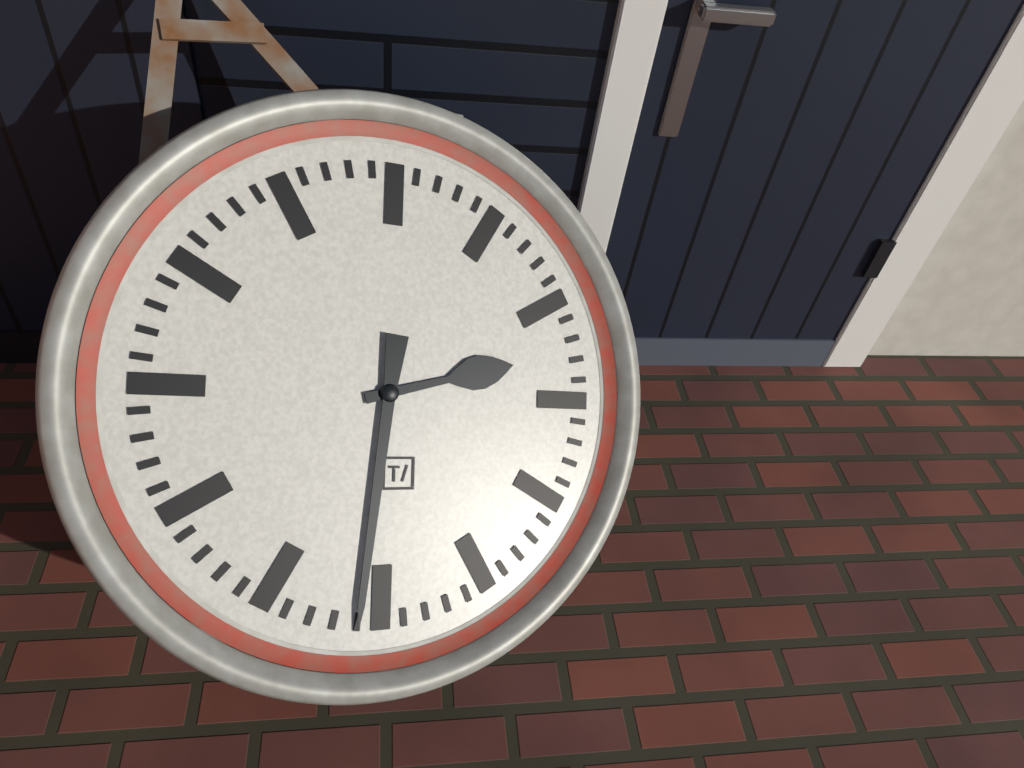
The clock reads 2:31
